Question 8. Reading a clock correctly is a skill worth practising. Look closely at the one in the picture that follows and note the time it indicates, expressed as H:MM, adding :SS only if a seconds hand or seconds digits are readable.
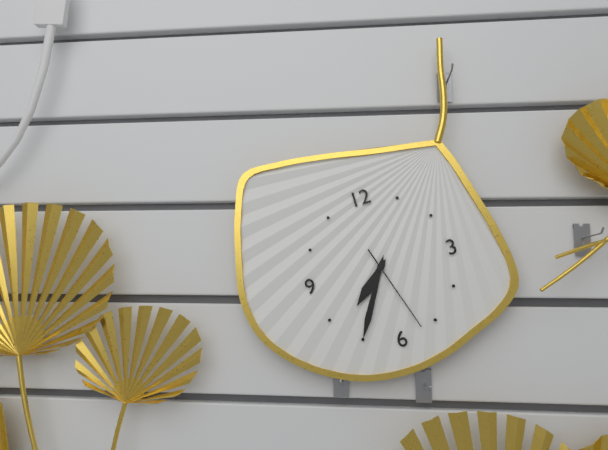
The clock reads 7:35:27
